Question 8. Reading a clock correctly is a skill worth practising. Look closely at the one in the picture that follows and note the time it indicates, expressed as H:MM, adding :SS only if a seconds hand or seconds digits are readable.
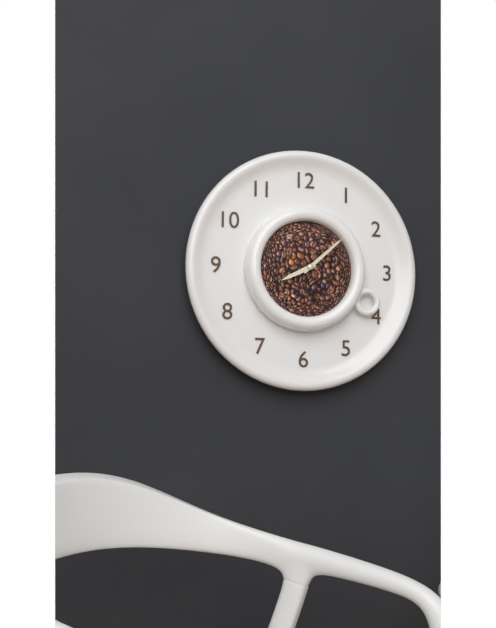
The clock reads 8:08
